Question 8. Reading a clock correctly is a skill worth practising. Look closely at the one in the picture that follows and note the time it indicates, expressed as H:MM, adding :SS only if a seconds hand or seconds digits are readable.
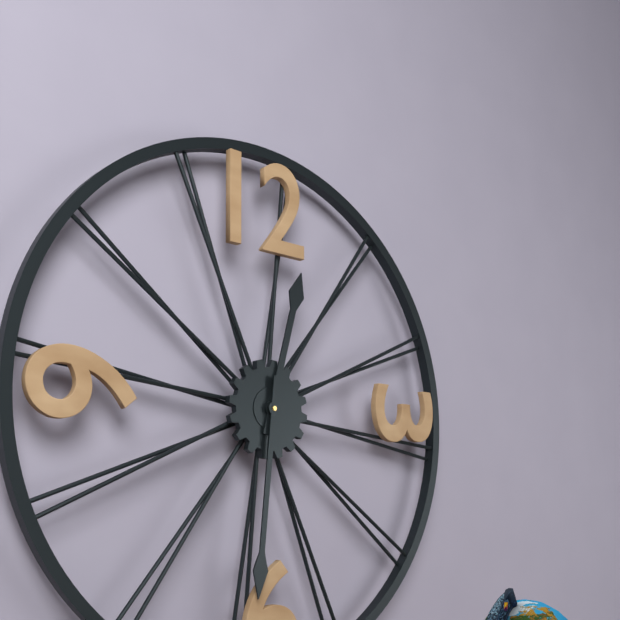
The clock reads 12:31
